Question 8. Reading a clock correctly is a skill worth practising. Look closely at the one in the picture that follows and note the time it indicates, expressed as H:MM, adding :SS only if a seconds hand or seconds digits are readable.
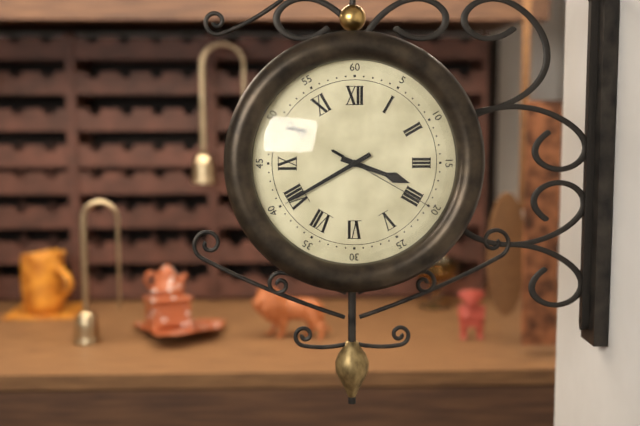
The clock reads 3:40:20
